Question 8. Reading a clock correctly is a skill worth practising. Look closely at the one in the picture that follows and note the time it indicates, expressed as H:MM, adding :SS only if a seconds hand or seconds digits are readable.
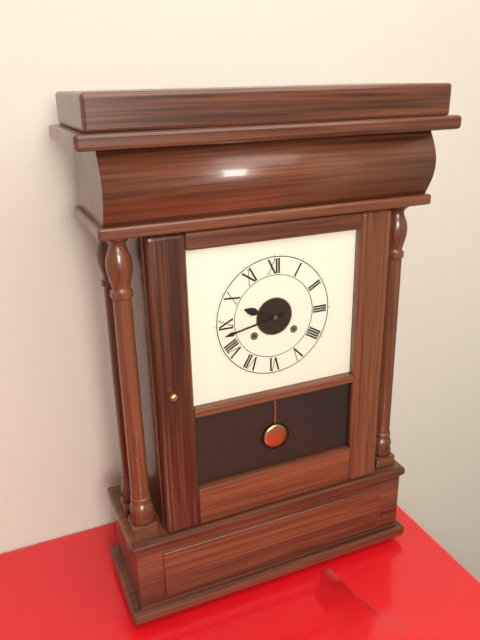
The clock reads 9:43
